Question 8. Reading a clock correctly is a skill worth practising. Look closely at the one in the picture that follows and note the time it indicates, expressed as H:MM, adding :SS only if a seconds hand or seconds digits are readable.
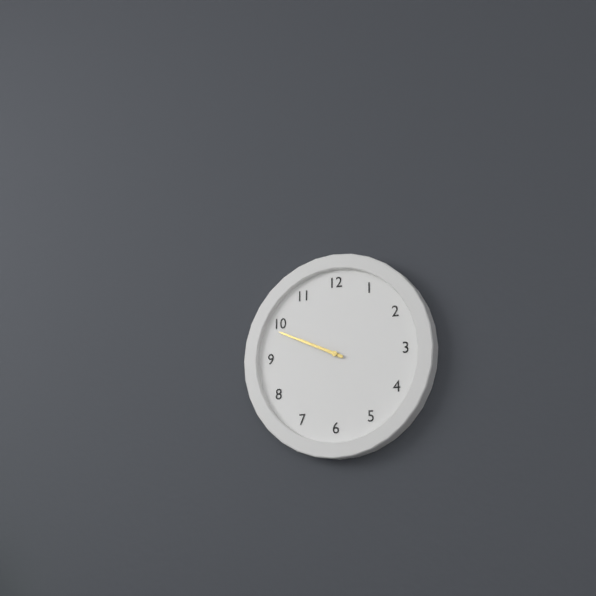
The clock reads 9:49
